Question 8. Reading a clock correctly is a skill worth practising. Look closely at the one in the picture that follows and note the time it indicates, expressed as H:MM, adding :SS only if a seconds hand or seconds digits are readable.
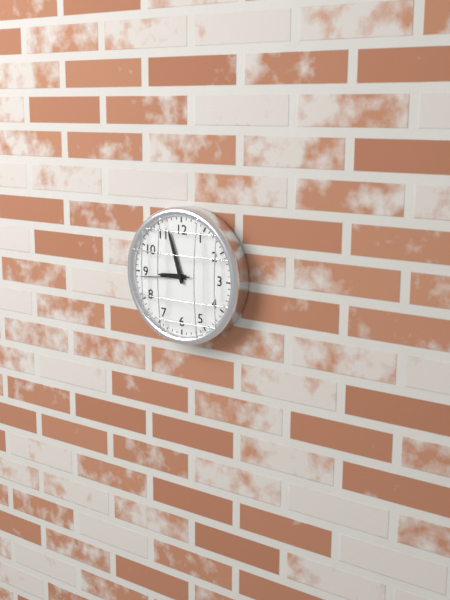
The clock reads 8:57:44
